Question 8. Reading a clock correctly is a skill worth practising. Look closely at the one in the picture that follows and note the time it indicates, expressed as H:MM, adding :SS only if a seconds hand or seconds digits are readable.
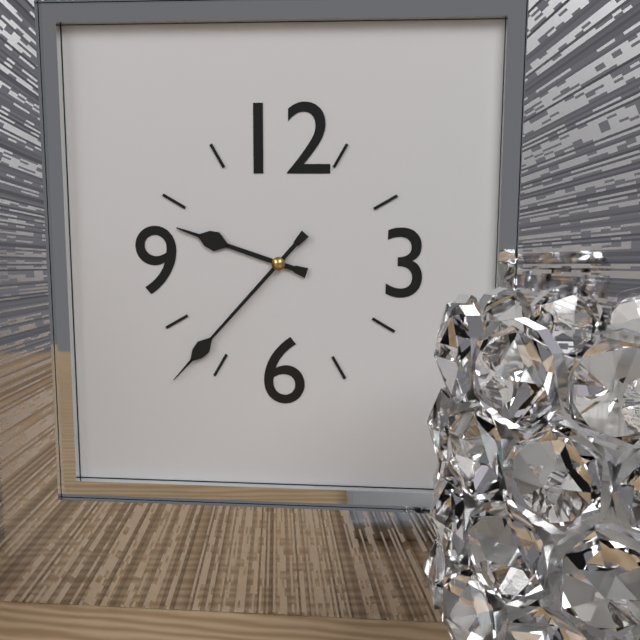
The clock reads 9:37
